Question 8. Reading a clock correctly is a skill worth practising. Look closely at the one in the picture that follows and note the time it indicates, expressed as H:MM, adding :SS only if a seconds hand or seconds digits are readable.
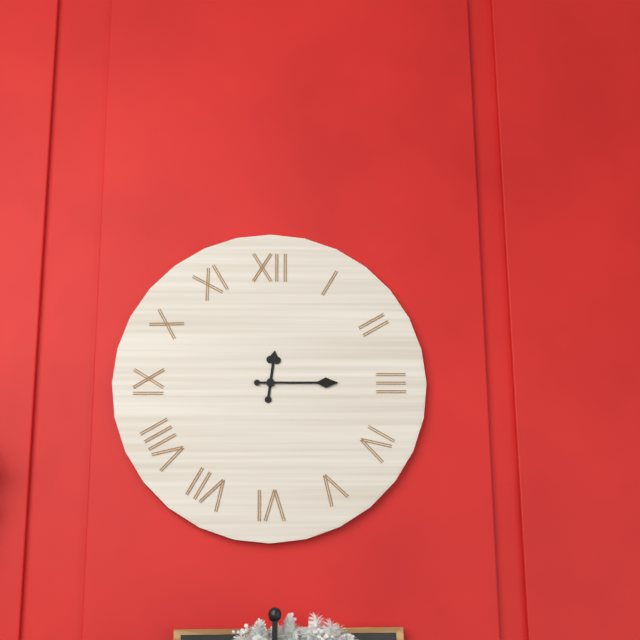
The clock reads 12:15
